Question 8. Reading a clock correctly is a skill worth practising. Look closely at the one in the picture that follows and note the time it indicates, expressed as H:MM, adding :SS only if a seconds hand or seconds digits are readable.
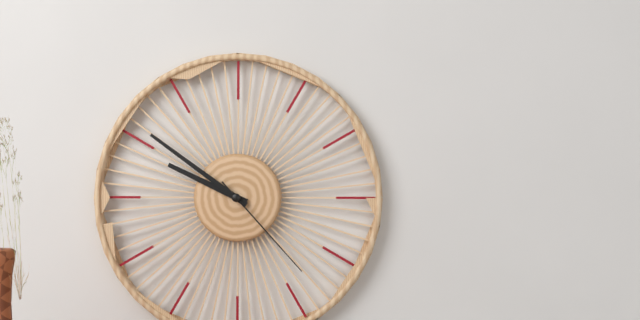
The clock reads 9:51:23
